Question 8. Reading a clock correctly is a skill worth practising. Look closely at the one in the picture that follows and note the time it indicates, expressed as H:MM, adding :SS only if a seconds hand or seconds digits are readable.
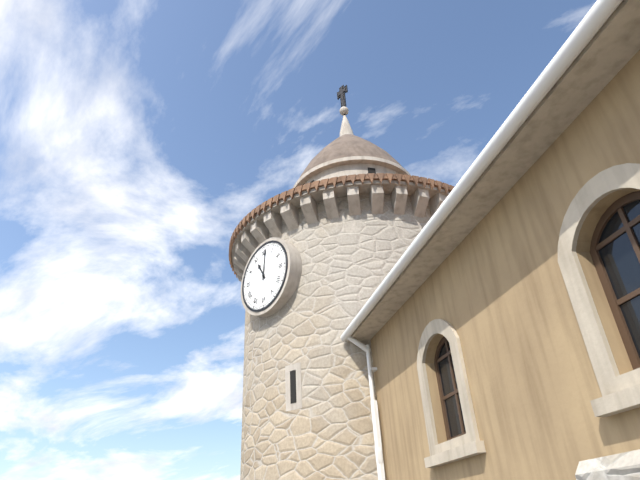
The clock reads 11:01
